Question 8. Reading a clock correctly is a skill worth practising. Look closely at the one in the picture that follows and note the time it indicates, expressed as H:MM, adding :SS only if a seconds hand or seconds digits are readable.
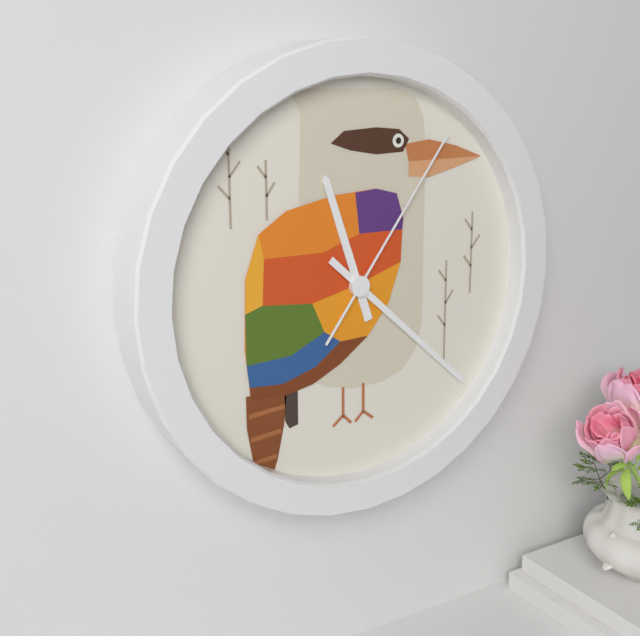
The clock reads 11:22:06
